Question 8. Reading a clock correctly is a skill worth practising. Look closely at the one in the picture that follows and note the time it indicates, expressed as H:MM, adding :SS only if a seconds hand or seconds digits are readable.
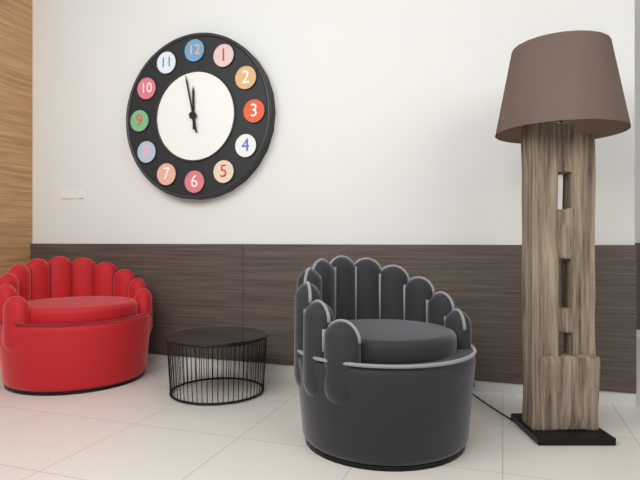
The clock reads 11:58
